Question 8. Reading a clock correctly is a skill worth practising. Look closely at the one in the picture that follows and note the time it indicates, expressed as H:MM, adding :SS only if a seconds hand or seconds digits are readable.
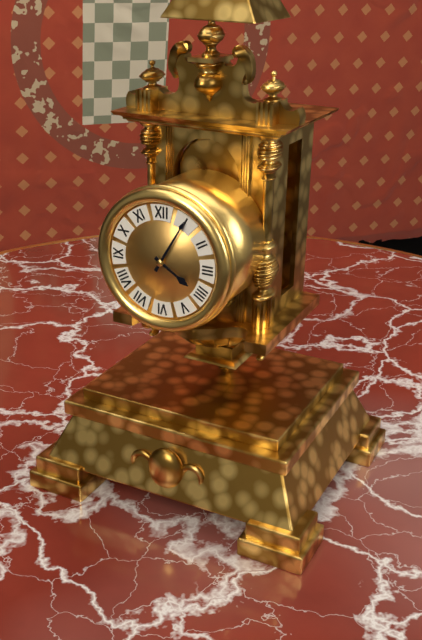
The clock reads 4:05
